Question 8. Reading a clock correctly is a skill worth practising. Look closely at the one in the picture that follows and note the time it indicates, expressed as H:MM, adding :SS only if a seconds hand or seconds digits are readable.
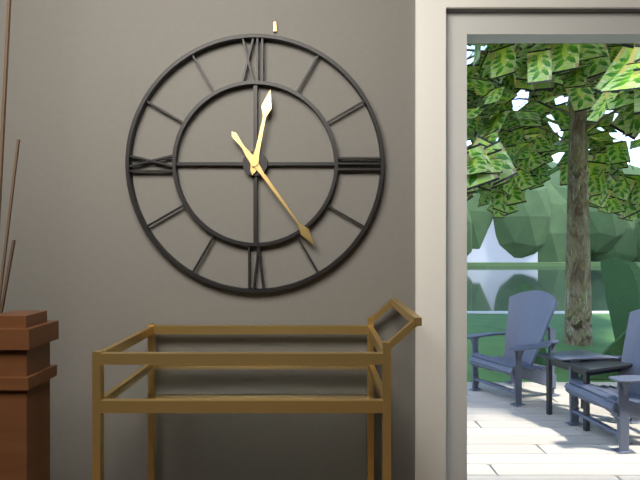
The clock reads 12:24
